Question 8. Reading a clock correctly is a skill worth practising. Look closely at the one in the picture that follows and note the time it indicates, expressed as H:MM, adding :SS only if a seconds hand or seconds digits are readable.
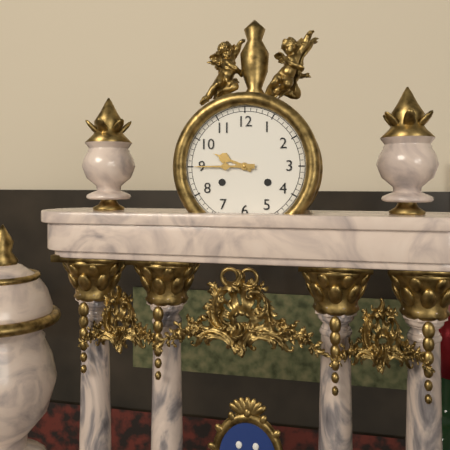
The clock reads 9:45
